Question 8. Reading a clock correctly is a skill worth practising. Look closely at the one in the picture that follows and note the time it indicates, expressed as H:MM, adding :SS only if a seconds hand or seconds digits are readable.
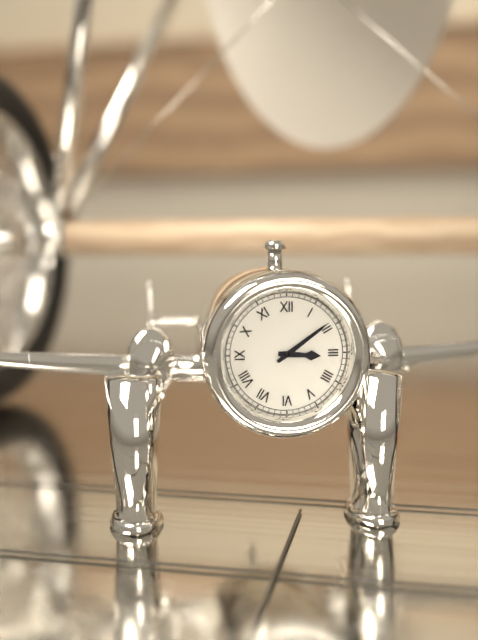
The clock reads 3:09
